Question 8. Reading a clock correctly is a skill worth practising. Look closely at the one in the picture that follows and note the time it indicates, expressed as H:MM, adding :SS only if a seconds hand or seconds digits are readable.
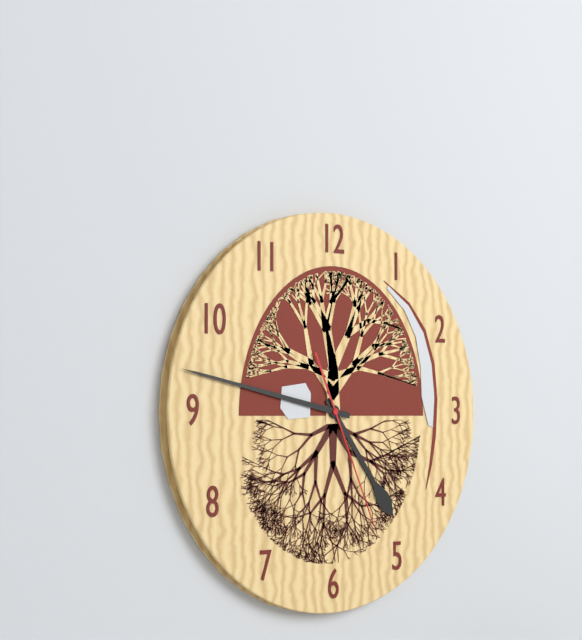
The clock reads 4:47:26
